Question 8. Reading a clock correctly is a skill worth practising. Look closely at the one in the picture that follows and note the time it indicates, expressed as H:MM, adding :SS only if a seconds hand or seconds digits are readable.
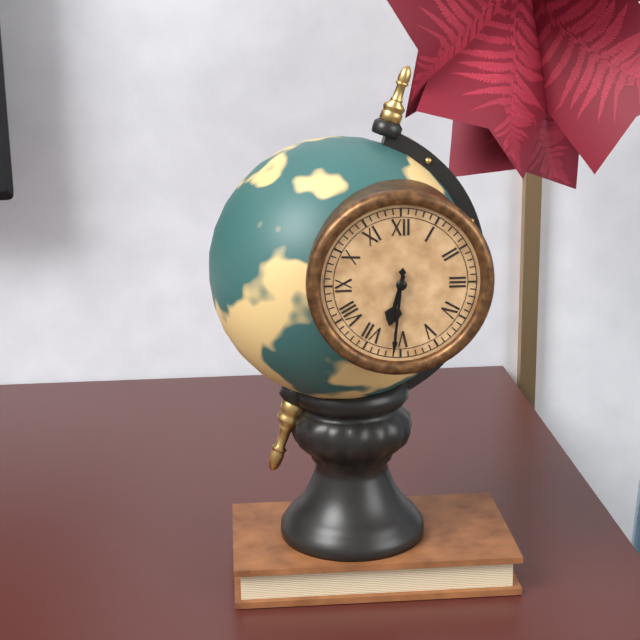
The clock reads 6:31
